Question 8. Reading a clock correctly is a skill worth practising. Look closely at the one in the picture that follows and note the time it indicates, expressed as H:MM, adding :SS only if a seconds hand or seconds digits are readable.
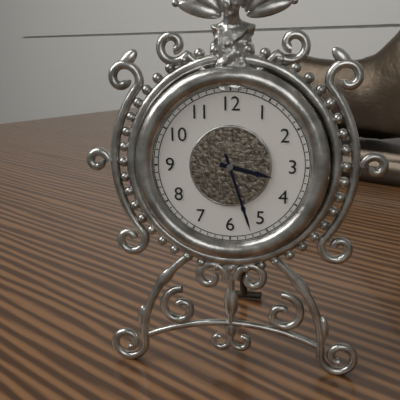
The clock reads 3:27
